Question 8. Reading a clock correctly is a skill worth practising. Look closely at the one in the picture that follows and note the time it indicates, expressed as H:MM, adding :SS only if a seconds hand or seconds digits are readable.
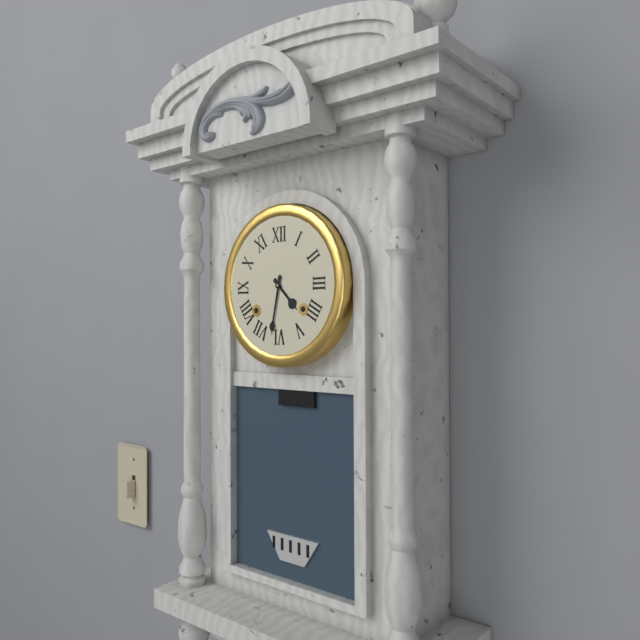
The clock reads 4:32
